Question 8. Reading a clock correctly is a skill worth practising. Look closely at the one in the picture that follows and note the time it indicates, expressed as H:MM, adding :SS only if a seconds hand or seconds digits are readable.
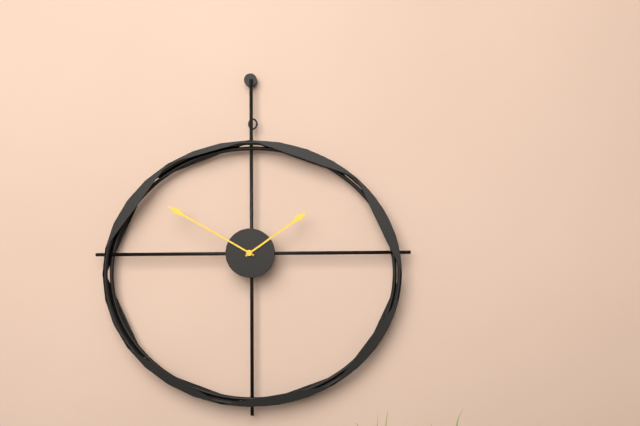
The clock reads 1:50
